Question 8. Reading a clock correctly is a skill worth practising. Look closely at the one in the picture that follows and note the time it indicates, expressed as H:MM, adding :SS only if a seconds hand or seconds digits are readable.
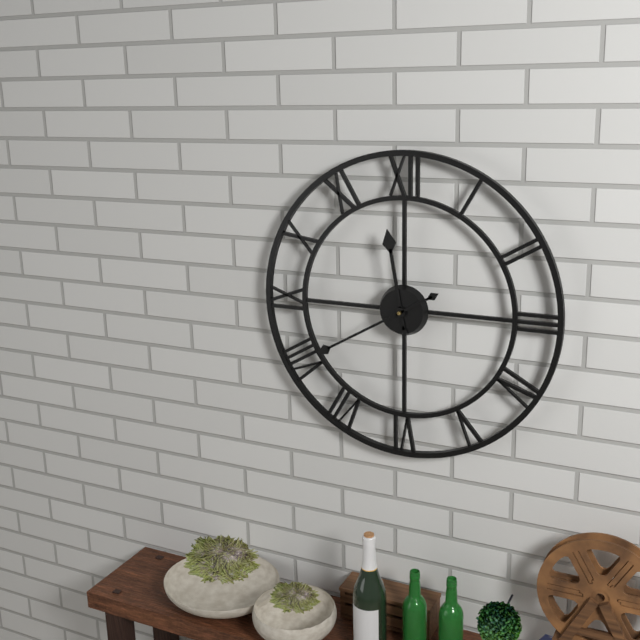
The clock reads 11:40
